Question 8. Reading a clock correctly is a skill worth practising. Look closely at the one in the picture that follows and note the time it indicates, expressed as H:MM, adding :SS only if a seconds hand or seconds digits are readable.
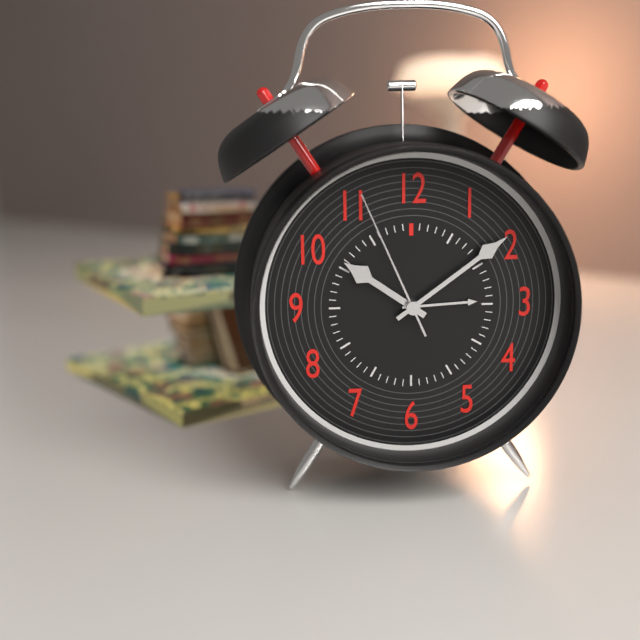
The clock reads 10:09:56
